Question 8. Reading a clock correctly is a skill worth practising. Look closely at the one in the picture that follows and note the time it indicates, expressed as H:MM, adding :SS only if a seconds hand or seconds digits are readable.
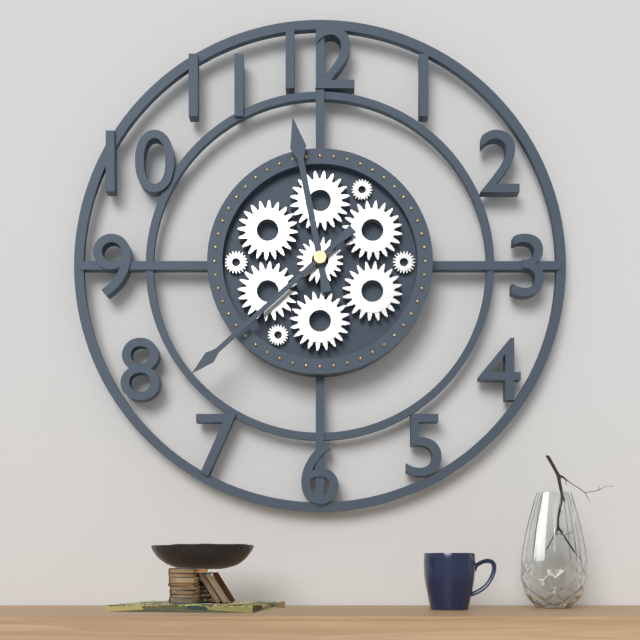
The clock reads 11:38
